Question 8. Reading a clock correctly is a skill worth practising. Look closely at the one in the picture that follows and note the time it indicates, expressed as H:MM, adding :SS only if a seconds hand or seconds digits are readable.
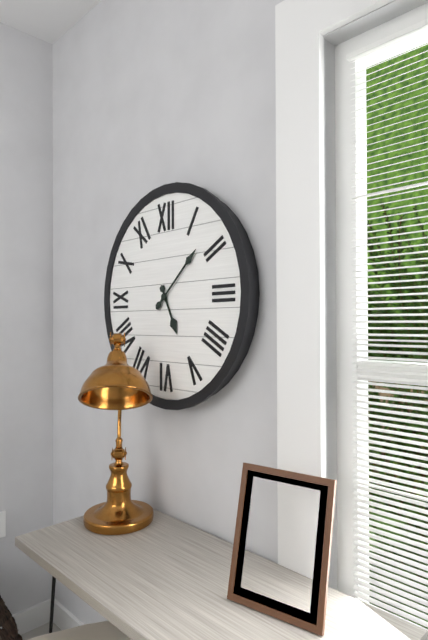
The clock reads 5:08
